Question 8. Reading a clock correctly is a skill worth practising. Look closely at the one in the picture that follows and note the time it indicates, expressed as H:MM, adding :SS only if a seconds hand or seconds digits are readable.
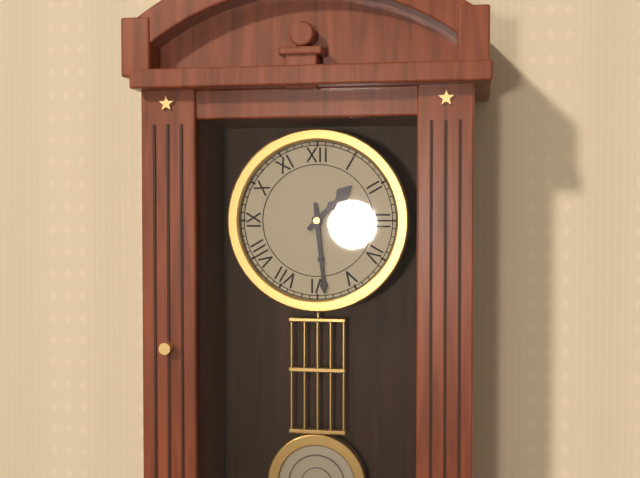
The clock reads 1:29
